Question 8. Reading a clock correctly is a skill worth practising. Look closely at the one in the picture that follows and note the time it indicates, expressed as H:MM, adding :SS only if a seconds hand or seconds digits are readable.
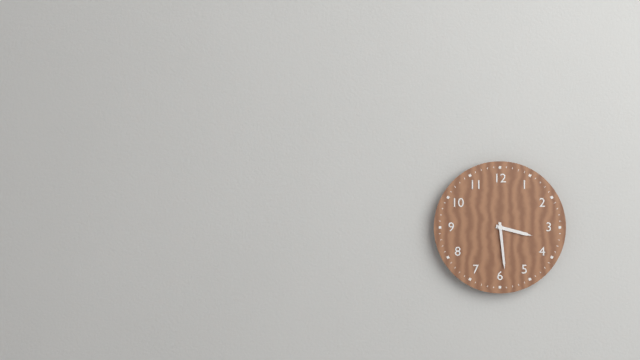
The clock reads 3:29
